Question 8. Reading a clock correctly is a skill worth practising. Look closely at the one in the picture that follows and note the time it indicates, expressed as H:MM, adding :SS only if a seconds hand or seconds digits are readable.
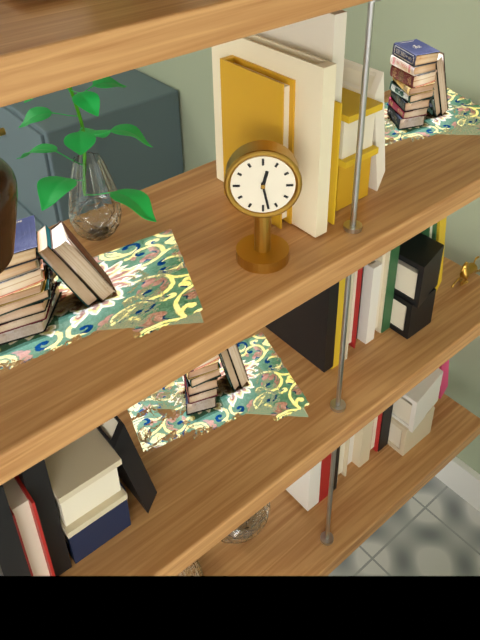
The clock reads 12:28
